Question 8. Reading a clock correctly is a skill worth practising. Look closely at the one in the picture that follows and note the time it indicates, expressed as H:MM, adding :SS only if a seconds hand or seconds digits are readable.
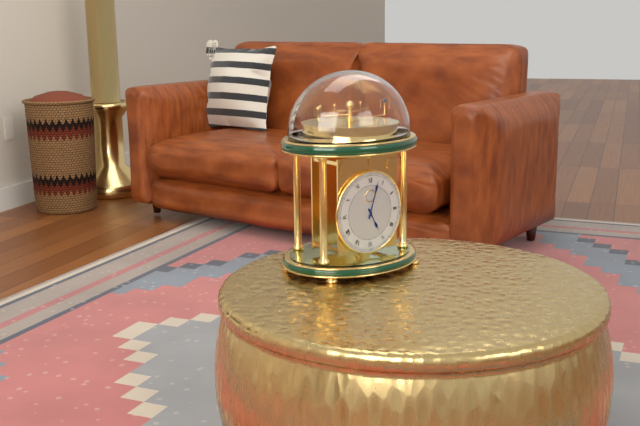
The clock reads 5:03
